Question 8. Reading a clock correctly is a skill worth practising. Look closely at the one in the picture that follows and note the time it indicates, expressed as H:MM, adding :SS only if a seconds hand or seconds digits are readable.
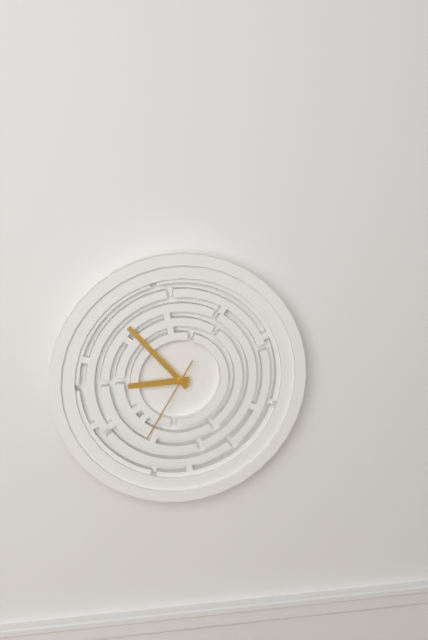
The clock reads 8:53:35
